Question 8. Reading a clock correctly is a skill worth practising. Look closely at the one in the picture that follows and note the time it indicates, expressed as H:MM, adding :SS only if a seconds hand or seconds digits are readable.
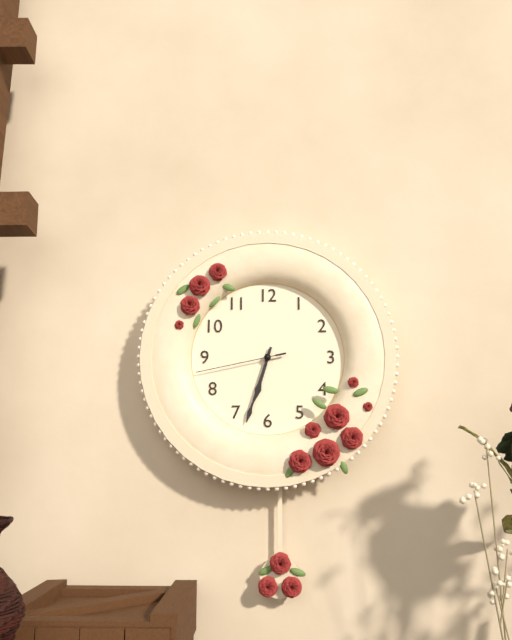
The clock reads 6:33:43
